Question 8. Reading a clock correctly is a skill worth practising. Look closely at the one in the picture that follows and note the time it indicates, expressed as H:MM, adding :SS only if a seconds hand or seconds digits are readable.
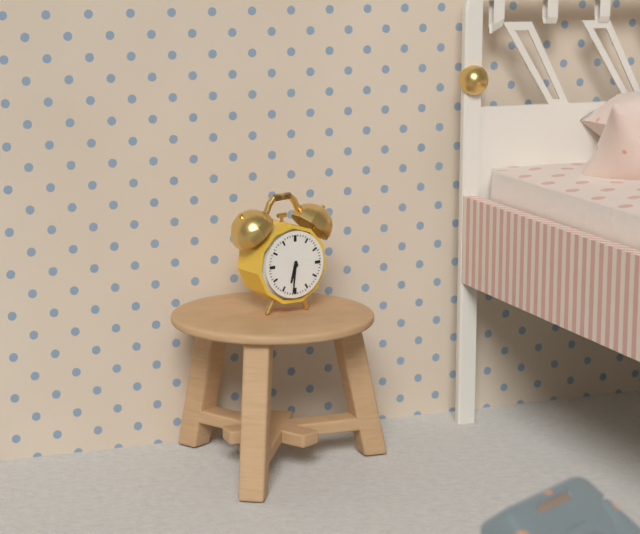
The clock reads 6:31
